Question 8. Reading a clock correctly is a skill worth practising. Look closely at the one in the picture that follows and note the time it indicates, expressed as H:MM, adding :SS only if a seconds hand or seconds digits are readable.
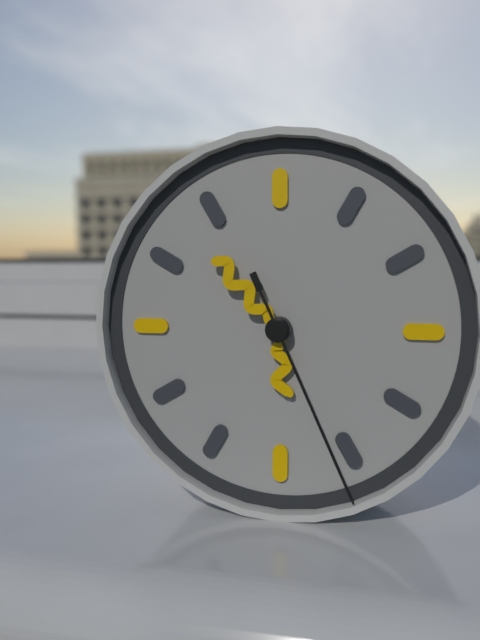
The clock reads 5:53:26
